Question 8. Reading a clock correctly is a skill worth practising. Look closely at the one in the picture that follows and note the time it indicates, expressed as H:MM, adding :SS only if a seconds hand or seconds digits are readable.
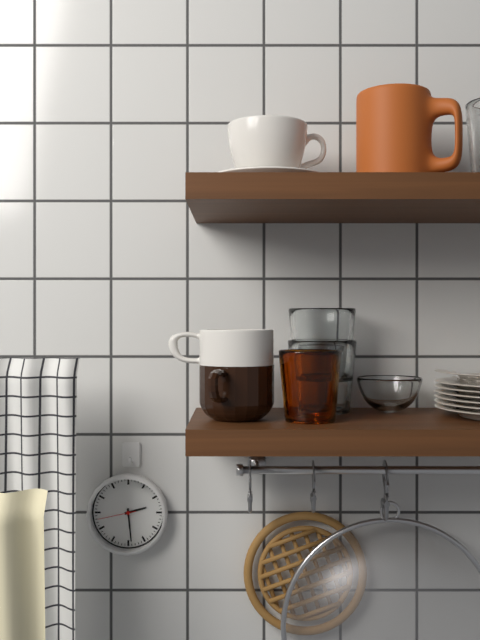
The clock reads 2:29
